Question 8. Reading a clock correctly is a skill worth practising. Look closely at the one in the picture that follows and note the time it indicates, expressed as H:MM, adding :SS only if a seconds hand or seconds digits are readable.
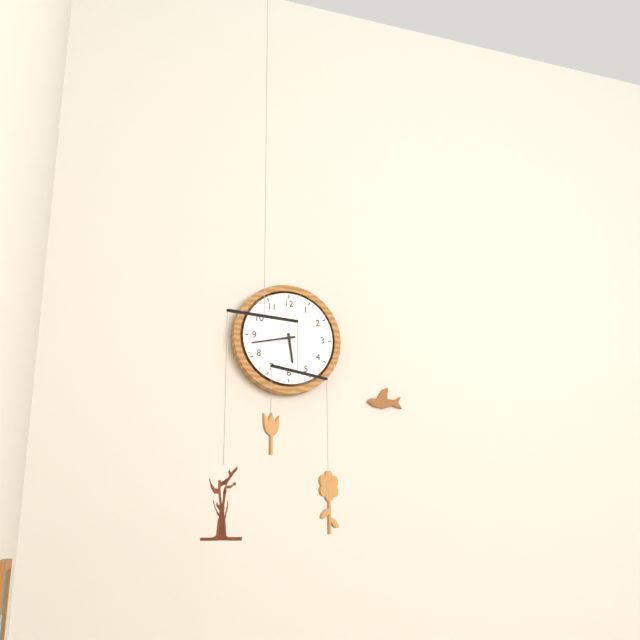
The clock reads 5:43
